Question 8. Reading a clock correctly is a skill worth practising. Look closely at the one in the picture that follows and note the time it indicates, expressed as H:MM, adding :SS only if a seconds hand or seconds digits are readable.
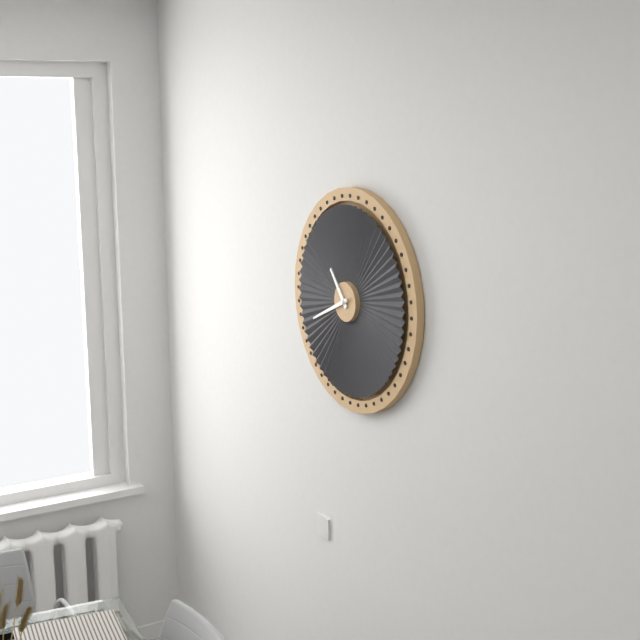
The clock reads 10:41
